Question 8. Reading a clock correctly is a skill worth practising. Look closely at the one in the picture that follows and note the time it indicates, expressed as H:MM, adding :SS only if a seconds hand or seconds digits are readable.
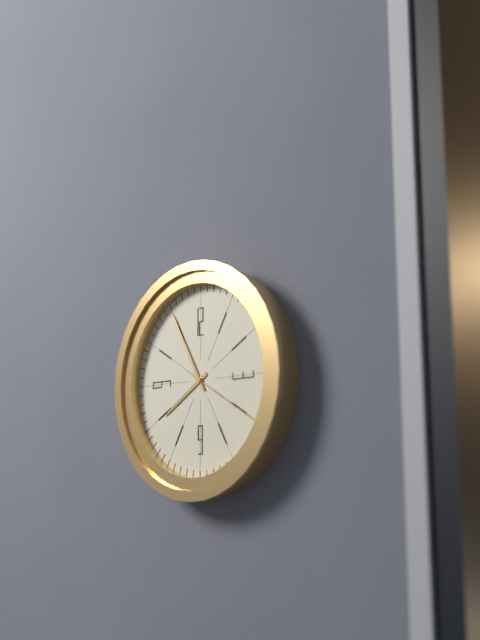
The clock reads 7:55:20
